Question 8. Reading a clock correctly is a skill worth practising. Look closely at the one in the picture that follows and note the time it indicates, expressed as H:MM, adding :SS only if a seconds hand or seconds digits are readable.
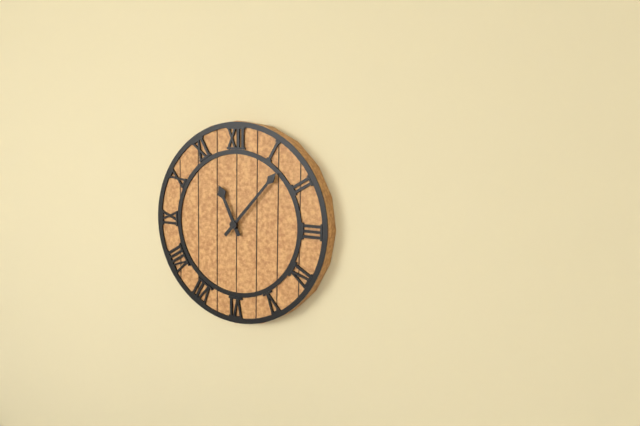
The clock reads 11:07
